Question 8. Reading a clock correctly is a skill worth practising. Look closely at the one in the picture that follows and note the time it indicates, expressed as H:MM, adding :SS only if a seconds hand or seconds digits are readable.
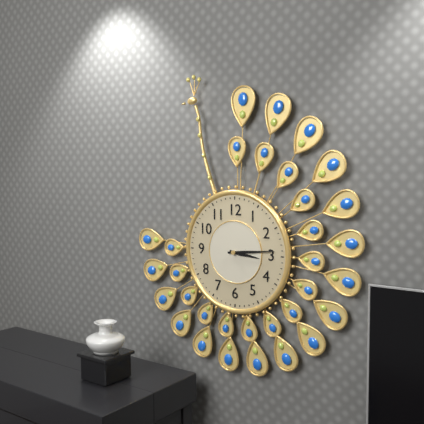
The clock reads 3:14
